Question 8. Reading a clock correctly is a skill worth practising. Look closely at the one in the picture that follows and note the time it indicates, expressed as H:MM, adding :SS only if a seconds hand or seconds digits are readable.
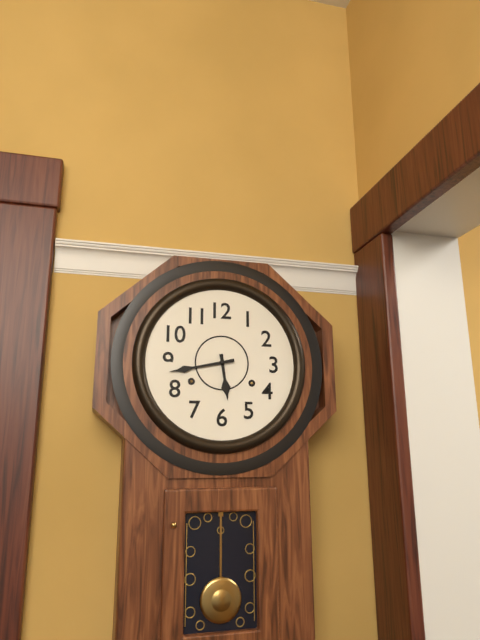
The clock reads 5:43
